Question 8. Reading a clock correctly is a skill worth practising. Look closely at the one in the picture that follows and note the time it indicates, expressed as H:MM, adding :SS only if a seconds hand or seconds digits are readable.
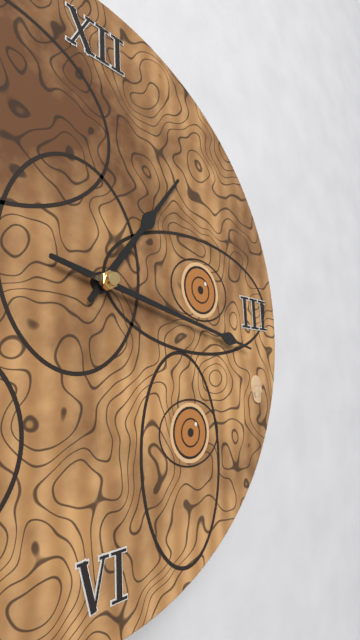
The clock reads 1:17
